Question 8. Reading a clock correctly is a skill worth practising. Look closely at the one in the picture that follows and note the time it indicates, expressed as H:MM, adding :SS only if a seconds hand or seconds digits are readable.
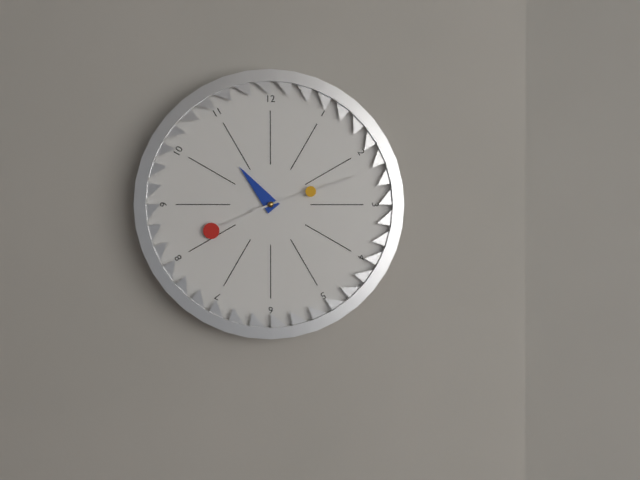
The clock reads 10:41:12
